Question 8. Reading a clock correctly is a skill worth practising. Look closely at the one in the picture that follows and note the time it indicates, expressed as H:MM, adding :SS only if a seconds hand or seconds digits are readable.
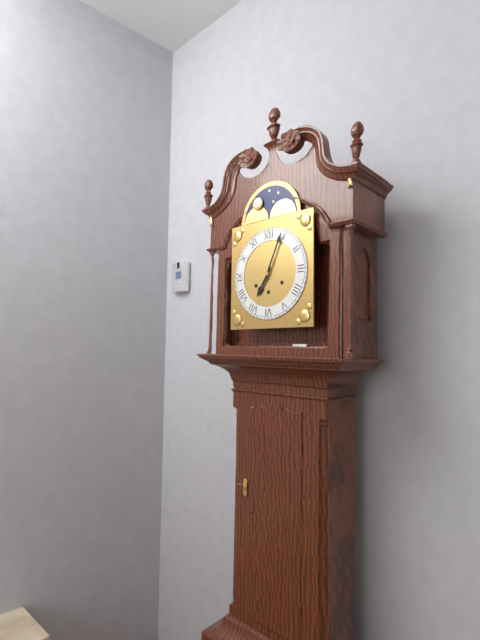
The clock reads 7:04
